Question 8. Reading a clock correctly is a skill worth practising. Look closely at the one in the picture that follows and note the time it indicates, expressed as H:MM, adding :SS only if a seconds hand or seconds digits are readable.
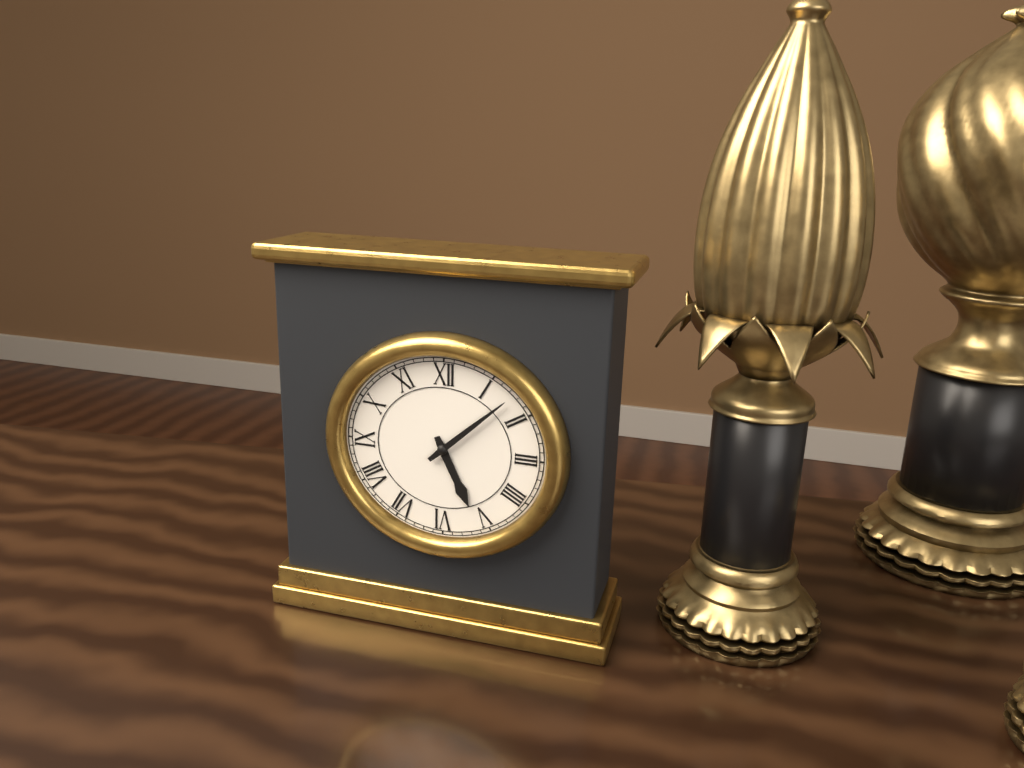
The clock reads 5:08
